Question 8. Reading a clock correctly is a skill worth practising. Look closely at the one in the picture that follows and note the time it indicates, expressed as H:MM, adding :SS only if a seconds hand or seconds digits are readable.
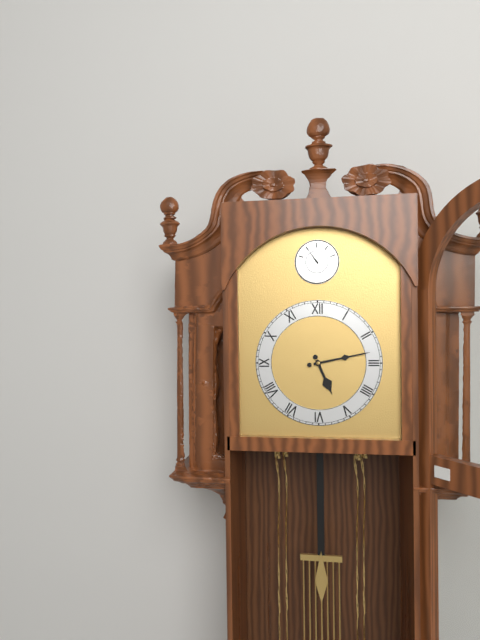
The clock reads 5:13
